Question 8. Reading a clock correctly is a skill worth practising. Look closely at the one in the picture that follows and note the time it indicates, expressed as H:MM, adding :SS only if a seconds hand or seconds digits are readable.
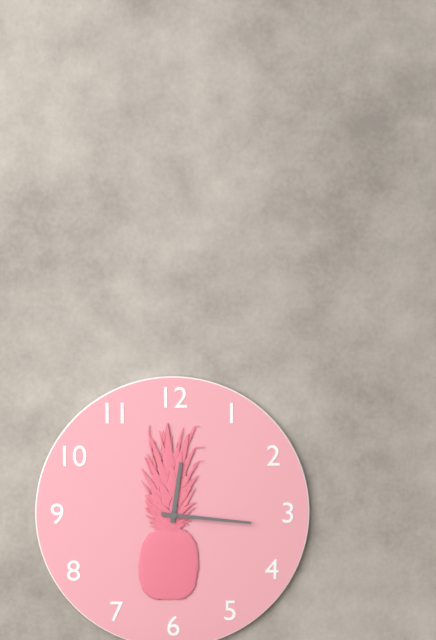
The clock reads 12:16
